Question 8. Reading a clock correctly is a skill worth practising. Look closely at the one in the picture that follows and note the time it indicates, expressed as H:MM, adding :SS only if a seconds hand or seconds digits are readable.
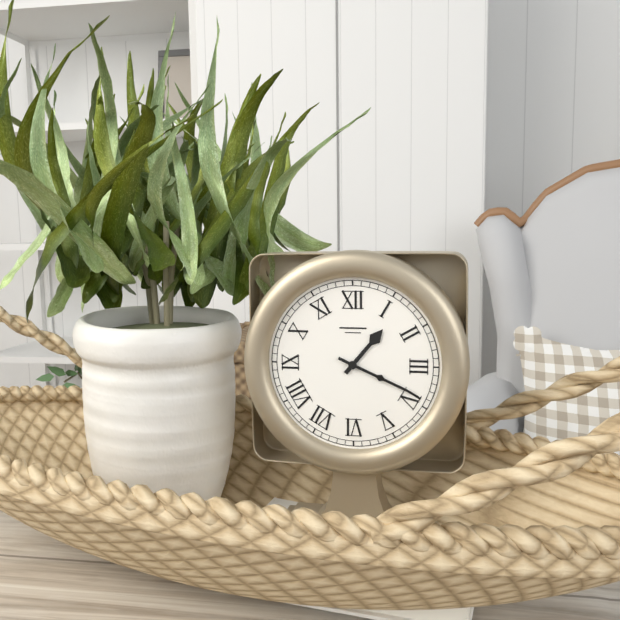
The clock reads 1:19
